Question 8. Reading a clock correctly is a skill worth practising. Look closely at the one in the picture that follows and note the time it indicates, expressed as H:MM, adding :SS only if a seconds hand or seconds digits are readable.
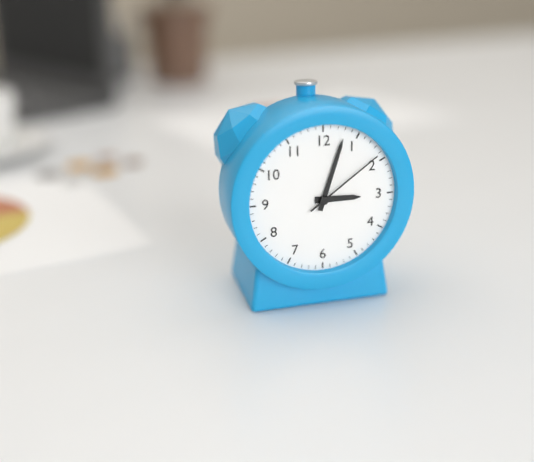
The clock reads 3:03:09
